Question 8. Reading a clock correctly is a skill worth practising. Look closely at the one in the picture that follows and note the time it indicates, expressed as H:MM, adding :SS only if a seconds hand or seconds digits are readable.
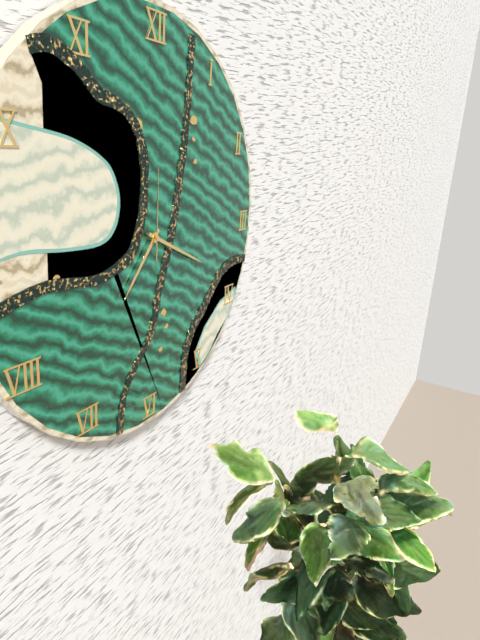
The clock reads 7:19:00
